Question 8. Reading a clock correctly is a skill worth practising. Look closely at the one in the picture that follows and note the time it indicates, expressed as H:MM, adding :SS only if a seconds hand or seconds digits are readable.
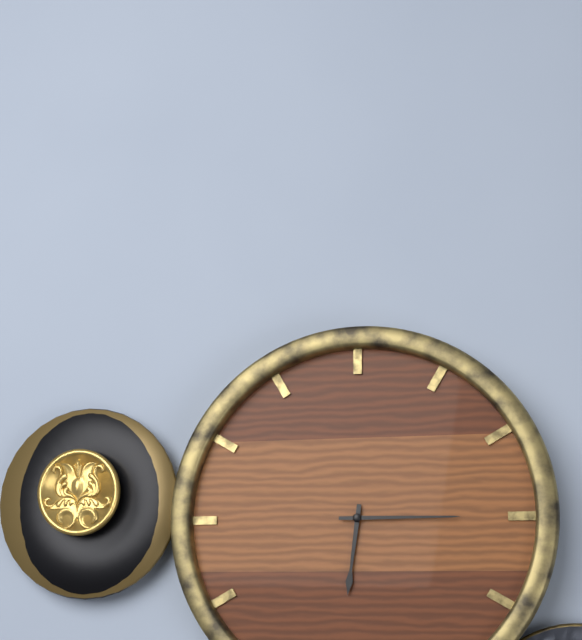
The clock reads 6:15
